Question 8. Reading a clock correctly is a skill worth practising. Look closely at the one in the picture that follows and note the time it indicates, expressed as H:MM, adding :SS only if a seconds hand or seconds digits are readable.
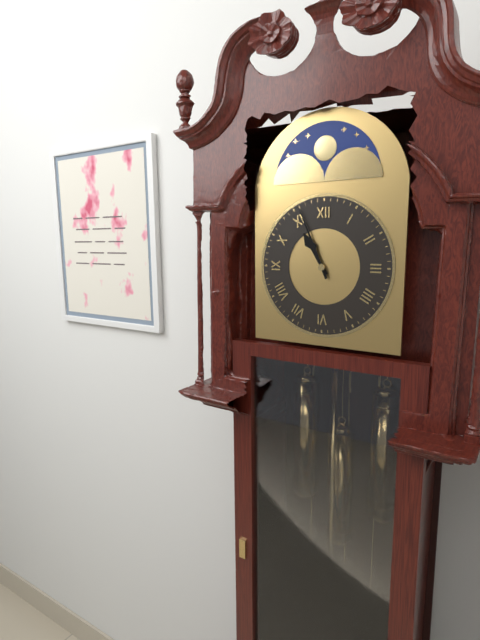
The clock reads 10:56
